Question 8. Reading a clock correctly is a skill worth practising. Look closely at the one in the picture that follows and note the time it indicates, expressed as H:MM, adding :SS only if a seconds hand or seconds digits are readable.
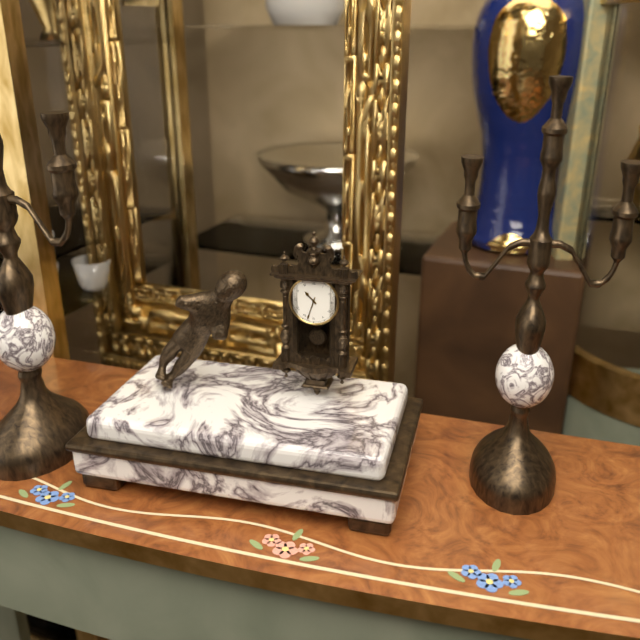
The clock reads 10:33
